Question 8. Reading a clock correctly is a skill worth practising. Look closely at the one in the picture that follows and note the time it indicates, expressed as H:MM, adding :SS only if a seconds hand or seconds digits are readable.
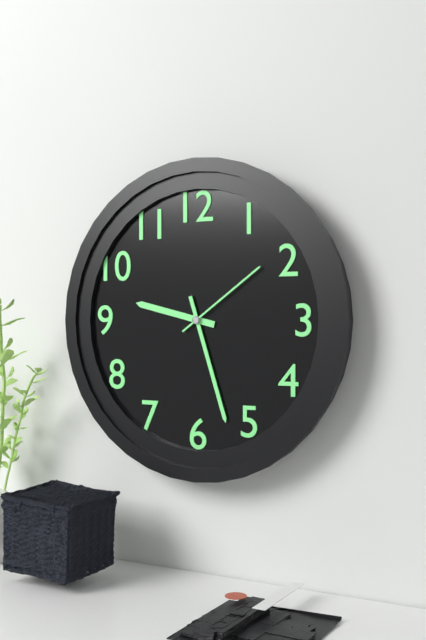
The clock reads 9:27:09
